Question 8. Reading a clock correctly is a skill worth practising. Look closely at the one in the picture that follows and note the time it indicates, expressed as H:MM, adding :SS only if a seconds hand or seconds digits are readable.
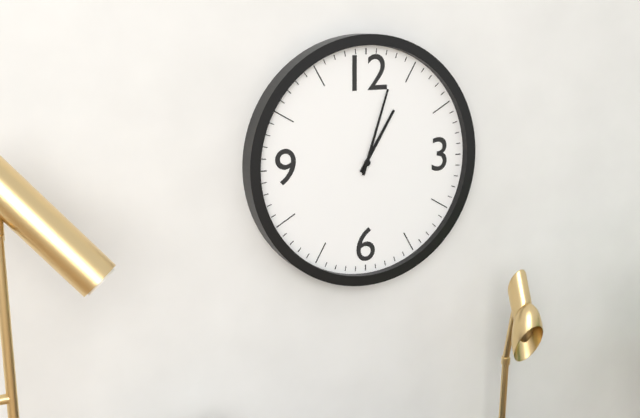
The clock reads 1:03
